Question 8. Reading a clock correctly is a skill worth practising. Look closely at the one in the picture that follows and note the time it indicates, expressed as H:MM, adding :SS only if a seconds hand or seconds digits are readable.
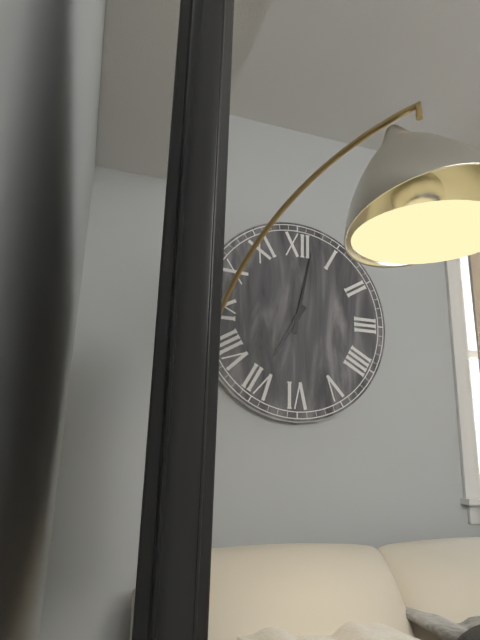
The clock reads 7:02
